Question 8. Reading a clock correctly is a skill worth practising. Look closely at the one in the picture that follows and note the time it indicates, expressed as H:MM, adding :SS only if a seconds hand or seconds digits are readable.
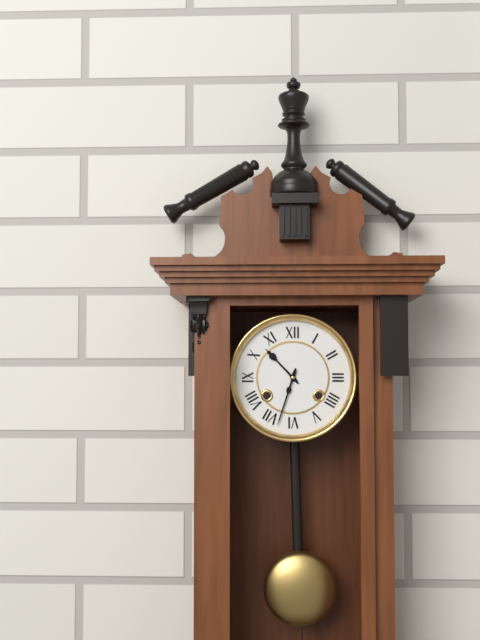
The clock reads 10:33
